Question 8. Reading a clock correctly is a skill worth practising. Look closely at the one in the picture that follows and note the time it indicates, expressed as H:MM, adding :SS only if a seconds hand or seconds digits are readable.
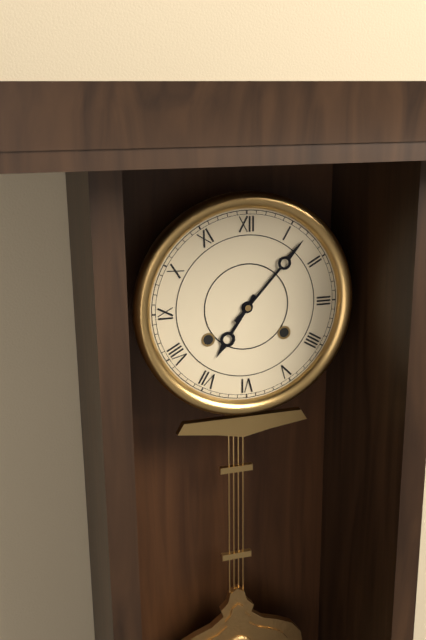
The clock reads 7:07
